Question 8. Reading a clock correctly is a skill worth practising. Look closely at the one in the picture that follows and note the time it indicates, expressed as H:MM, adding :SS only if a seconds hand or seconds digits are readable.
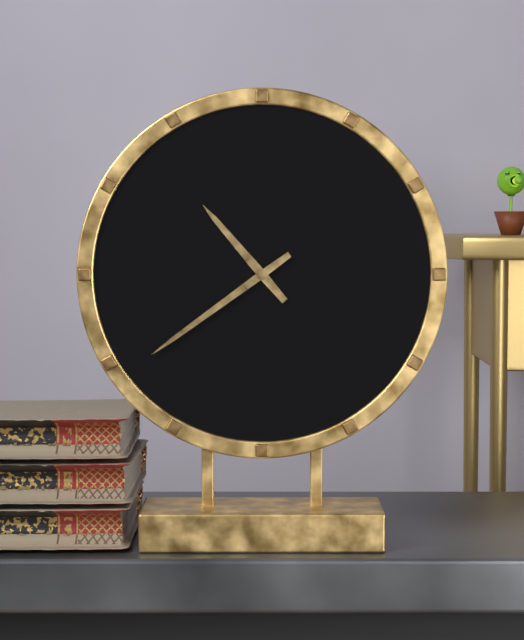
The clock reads 10:39
